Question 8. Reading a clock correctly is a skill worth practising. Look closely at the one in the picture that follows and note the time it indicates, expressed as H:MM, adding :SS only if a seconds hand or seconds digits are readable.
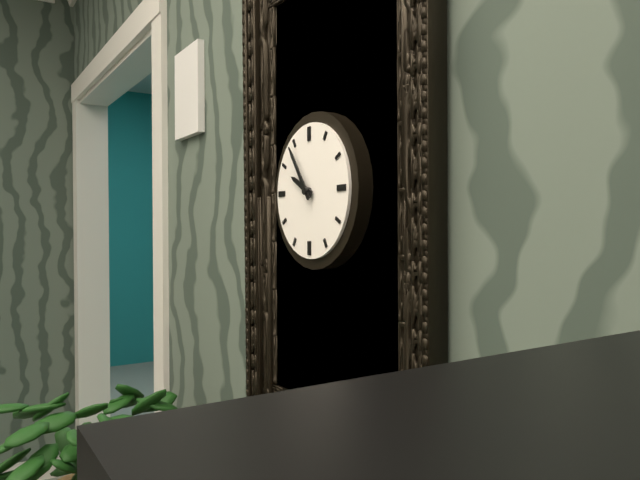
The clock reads 9:54
